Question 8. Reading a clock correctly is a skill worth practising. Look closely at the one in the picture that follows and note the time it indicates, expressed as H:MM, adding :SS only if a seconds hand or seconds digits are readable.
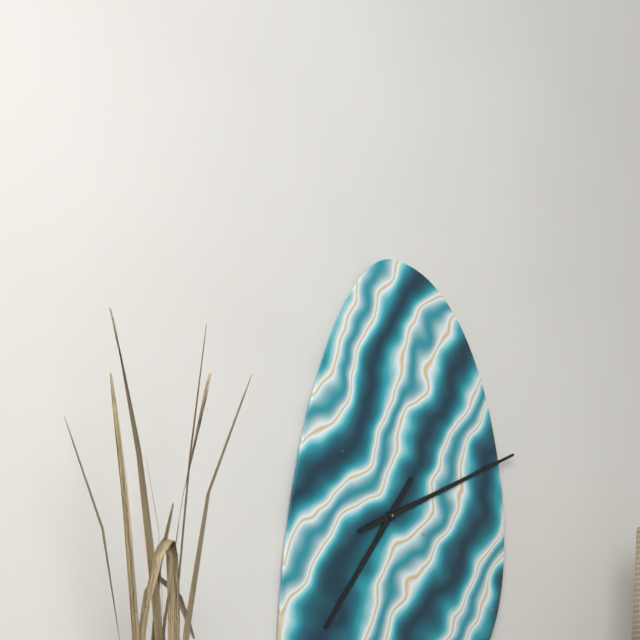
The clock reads 7:11
